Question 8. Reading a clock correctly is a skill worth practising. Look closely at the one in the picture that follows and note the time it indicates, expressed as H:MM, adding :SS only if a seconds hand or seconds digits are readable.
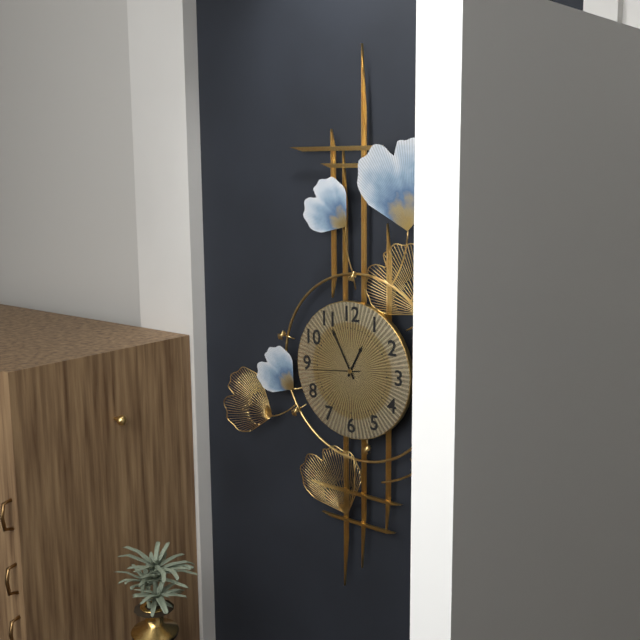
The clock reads 12:55
